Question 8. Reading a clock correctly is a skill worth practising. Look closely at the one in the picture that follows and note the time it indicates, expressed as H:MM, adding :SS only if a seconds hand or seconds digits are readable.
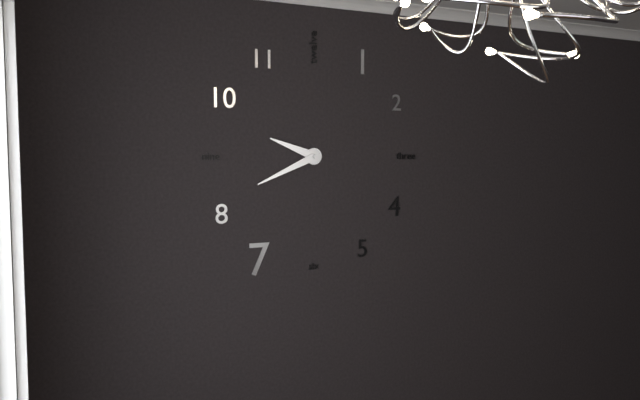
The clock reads 9:41
